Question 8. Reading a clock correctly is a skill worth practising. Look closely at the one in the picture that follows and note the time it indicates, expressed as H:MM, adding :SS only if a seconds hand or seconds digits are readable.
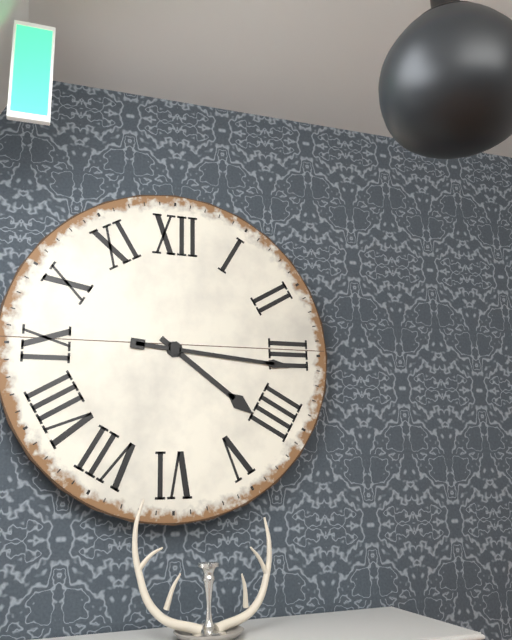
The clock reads 4:16
